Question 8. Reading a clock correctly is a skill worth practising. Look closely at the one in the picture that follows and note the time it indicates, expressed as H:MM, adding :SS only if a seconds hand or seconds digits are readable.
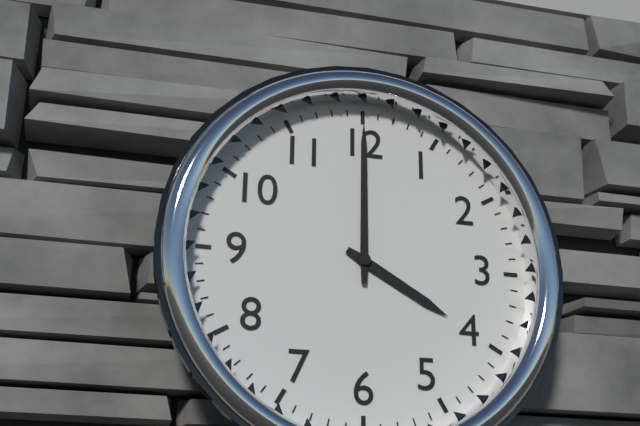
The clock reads 4:00
